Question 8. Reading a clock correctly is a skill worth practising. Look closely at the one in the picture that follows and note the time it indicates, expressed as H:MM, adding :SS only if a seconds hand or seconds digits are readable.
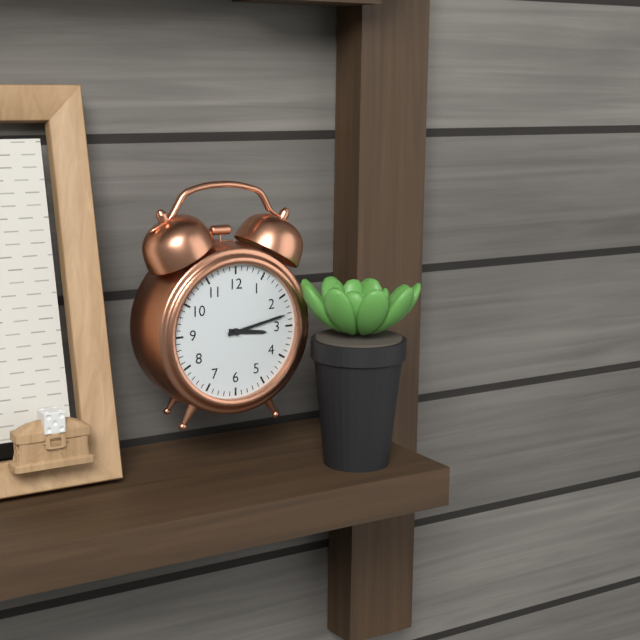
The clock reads 3:13
